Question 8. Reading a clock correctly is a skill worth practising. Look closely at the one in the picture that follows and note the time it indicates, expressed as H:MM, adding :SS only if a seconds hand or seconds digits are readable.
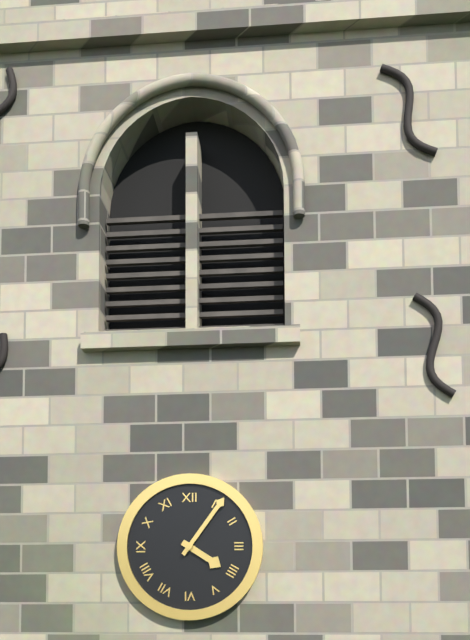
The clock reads 4:06
